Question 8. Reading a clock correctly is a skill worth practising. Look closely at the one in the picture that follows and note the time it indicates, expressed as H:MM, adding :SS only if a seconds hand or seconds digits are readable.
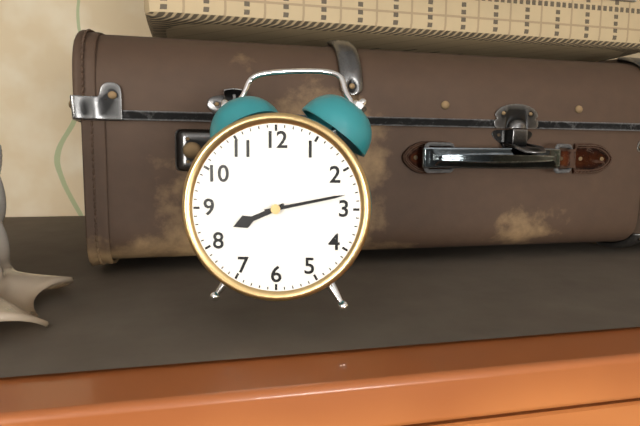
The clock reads 8:13
